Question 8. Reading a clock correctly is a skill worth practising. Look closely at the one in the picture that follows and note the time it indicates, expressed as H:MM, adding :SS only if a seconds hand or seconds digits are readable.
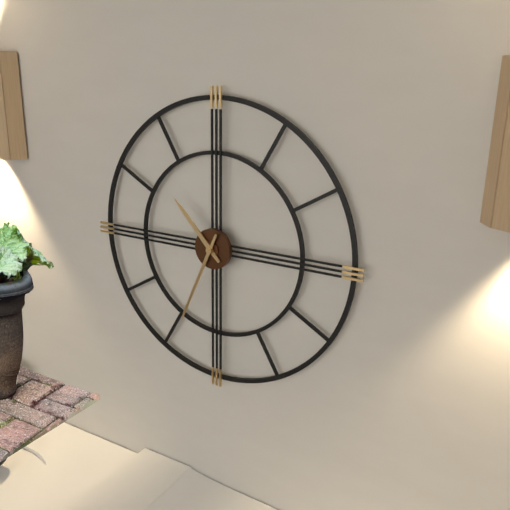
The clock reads 10:34
